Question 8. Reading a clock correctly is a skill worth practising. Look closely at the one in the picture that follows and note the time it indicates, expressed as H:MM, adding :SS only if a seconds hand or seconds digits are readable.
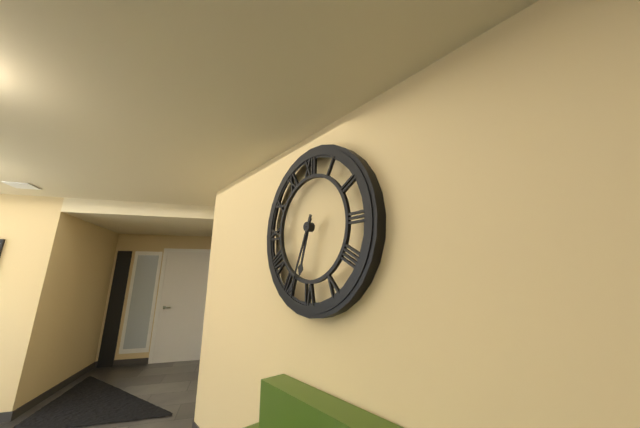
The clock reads 6:34
